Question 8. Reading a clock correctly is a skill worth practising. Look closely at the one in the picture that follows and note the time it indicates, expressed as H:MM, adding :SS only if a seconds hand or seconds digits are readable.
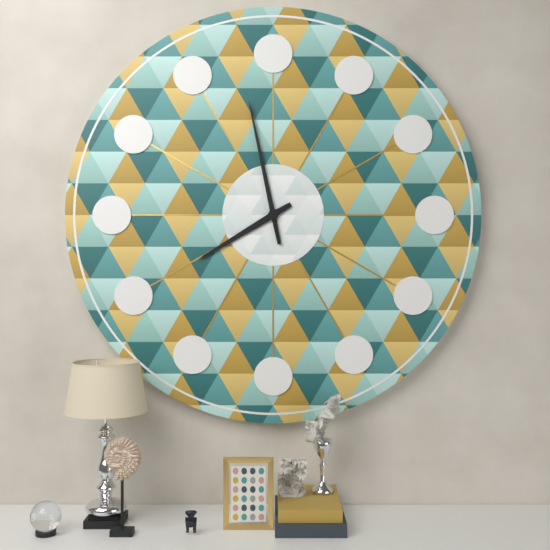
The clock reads 7:58
